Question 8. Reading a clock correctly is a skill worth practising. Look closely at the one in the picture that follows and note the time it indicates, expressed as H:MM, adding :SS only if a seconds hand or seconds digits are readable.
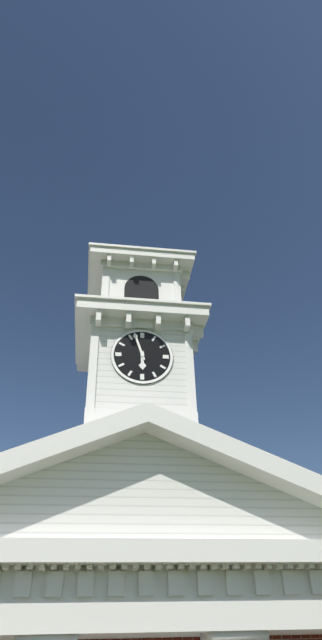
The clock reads 5:57
